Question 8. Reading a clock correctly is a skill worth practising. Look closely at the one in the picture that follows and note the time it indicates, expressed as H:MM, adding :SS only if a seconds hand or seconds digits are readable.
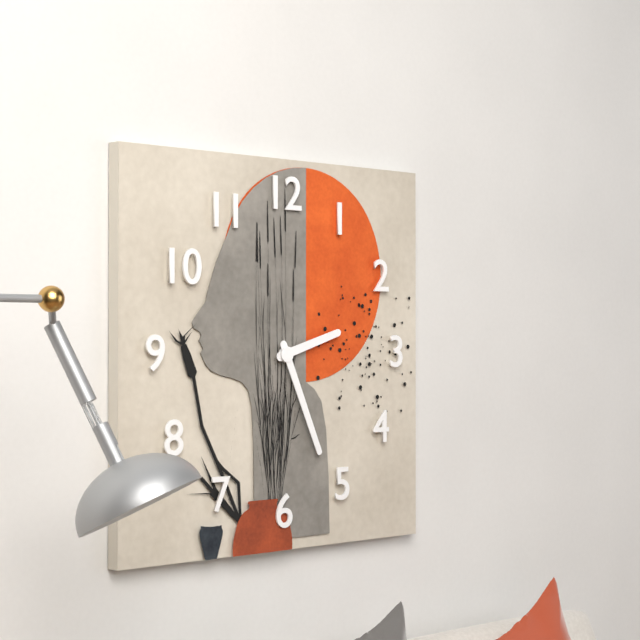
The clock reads 2:26
